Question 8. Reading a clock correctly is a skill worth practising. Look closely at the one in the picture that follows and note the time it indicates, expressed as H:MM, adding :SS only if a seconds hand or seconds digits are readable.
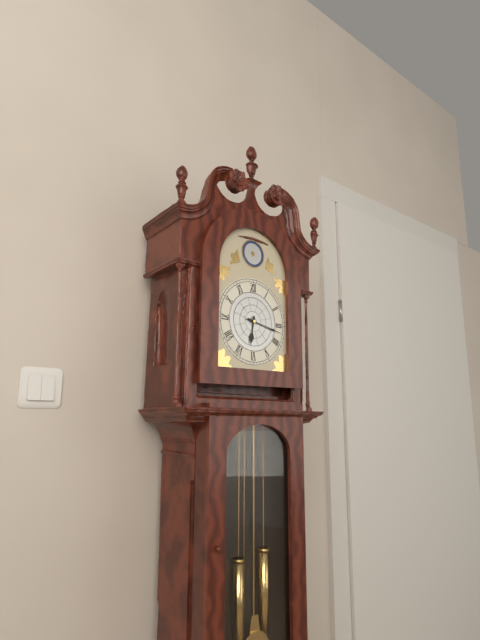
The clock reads 6:17
